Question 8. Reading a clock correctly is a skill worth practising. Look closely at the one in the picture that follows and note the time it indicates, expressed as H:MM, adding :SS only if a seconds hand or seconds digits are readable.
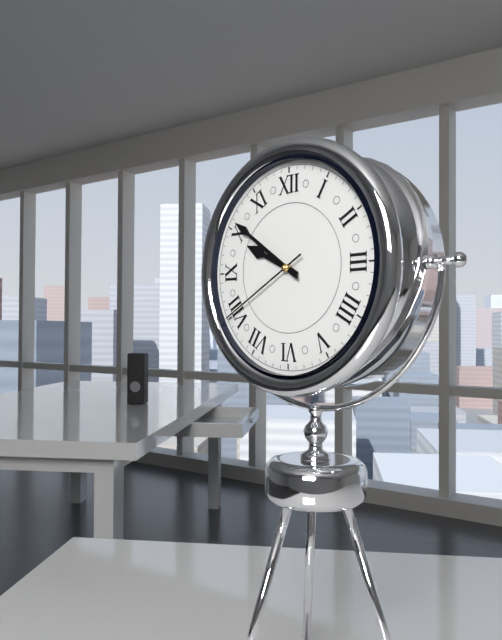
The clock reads 9:51:40
